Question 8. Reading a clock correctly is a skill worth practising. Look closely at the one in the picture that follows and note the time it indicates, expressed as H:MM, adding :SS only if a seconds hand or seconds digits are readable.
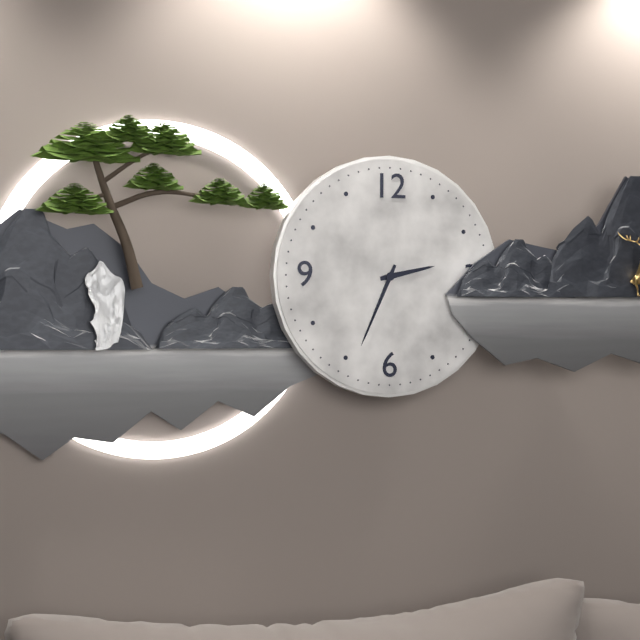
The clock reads 2:34
